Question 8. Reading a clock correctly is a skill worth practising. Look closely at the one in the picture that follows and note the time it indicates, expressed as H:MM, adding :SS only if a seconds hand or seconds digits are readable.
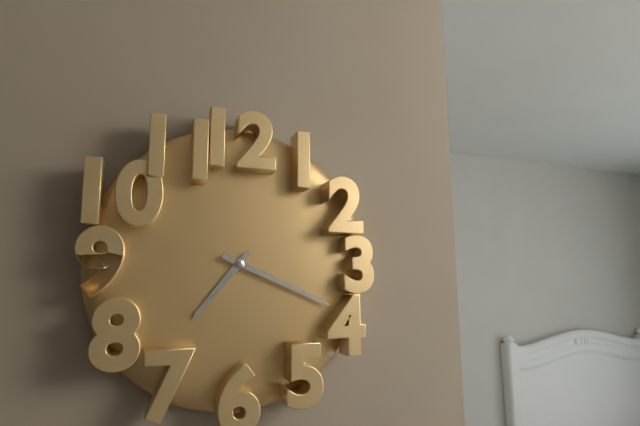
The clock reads 7:19
